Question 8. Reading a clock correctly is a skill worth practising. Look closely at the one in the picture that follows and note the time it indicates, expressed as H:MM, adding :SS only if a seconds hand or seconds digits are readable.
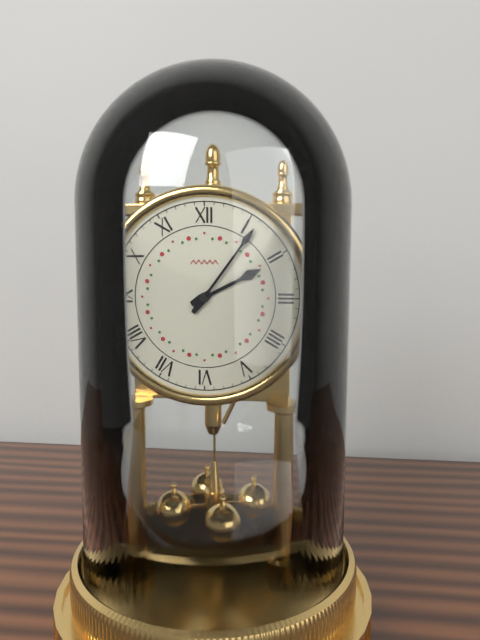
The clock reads 2:06
